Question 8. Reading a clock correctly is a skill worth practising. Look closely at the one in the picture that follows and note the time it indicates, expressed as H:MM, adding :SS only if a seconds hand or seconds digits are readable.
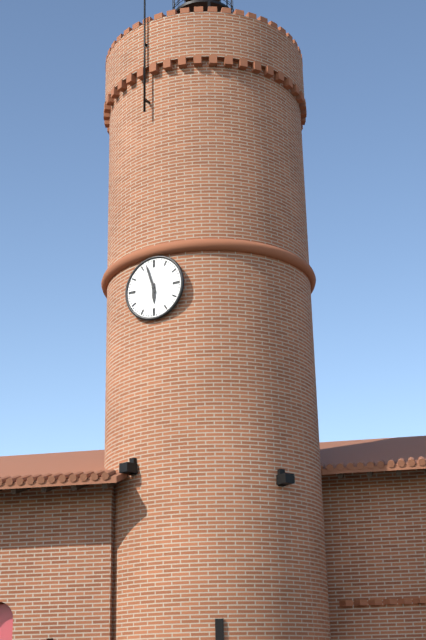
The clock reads 5:57
